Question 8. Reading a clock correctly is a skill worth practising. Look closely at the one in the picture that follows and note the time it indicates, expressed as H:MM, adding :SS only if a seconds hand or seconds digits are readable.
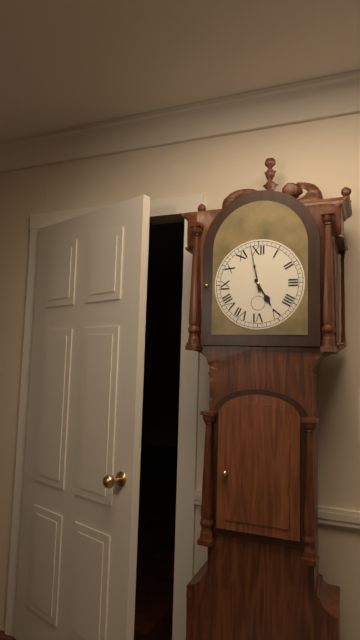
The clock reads 4:58
